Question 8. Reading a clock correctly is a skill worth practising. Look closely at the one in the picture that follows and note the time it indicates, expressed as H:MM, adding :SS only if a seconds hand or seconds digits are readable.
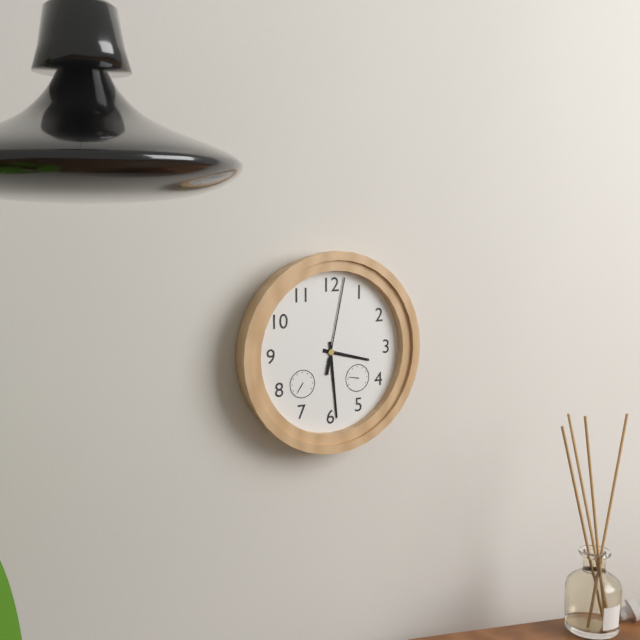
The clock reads 3:29:02
